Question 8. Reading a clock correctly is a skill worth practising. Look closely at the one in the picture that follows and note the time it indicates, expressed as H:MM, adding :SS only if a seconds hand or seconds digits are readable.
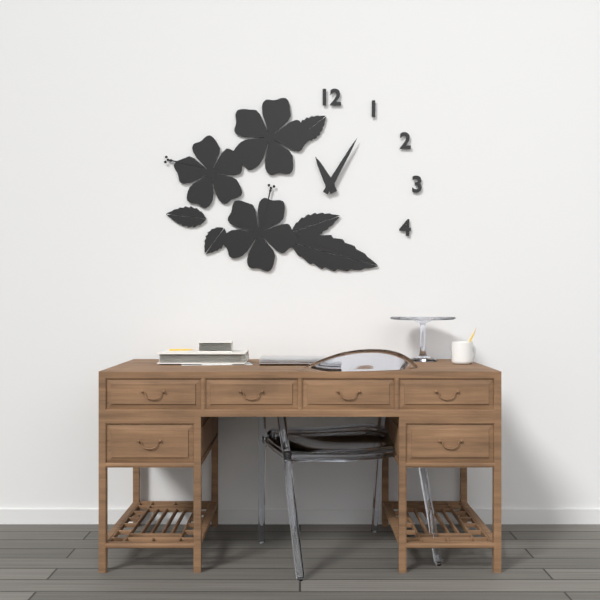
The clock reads 11:05
